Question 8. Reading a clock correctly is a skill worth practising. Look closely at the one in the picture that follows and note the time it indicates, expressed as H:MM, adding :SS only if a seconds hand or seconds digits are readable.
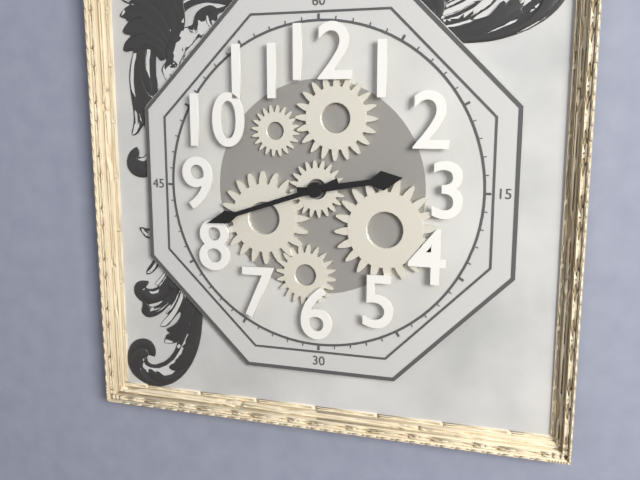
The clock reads 2:42
